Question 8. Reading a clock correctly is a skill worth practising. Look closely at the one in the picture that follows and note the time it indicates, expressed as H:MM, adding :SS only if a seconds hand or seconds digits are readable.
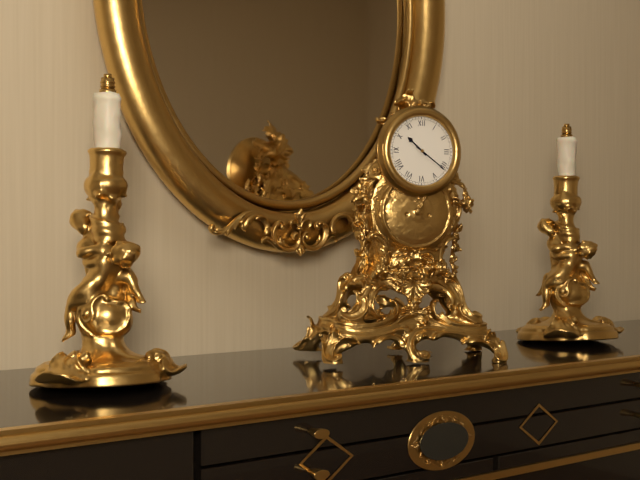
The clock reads 10:21
